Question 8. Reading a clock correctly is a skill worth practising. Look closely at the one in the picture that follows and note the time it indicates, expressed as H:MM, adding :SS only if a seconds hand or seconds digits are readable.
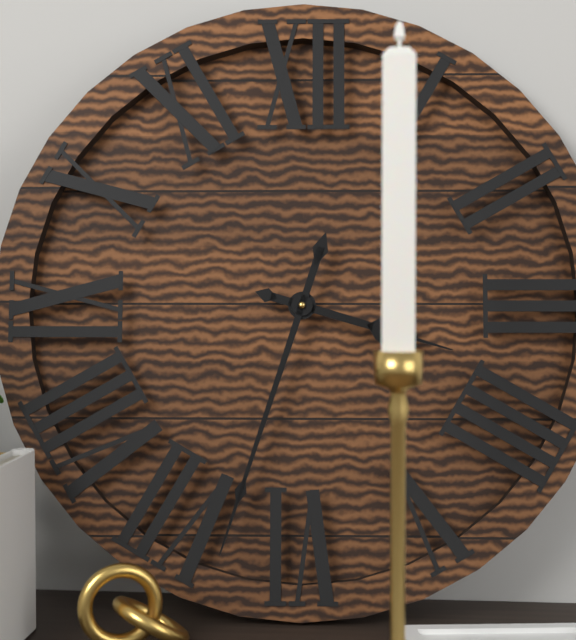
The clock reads 3:33
